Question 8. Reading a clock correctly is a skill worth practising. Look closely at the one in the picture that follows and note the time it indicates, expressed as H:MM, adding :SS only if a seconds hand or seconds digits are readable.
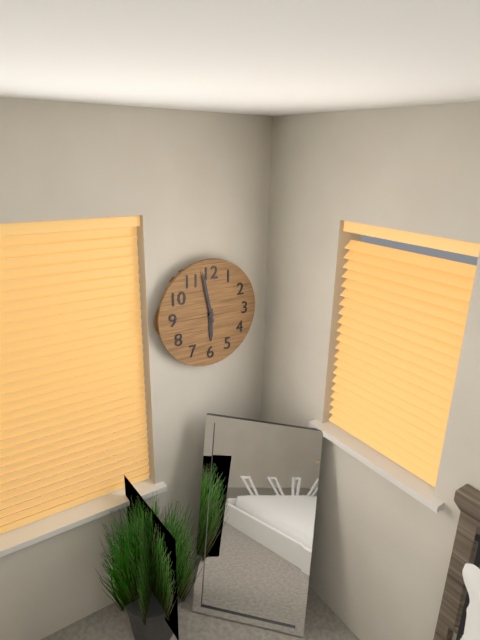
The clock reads 5:58
